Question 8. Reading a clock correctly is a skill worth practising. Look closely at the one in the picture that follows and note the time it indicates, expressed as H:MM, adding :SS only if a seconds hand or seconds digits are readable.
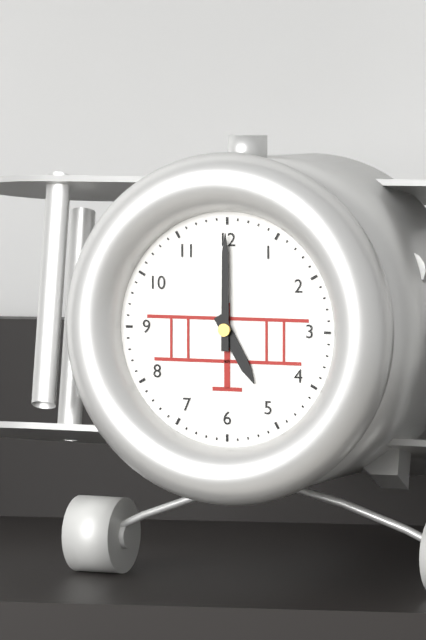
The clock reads 5:00
